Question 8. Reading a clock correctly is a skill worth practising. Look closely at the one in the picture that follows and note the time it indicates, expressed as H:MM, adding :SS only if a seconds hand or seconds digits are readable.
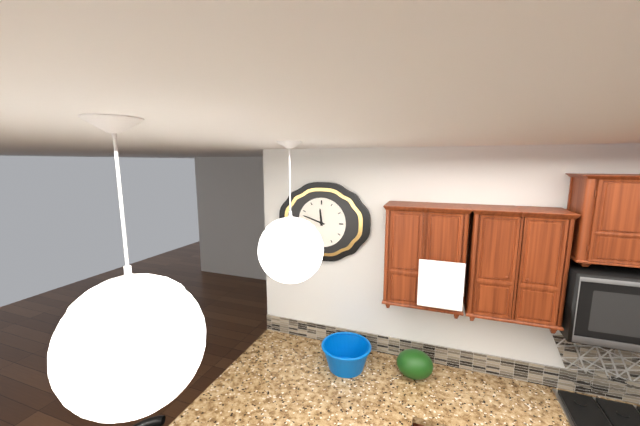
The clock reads 11:48
